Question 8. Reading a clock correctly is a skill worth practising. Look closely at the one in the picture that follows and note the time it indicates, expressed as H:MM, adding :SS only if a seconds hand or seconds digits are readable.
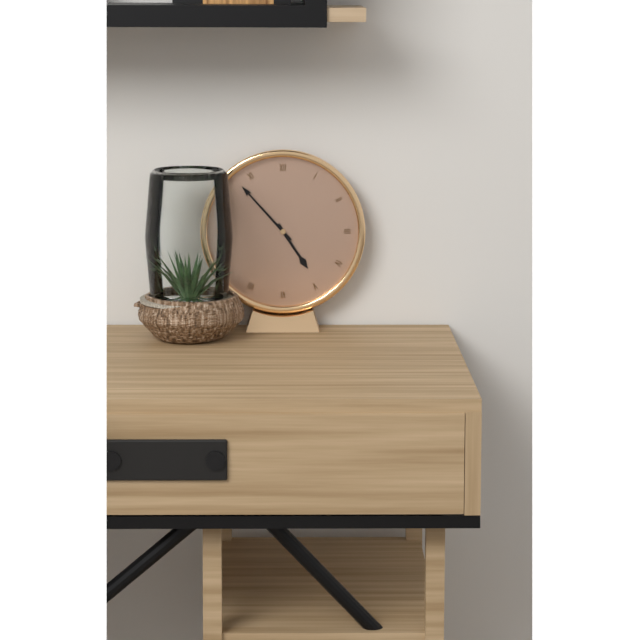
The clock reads 4:53
